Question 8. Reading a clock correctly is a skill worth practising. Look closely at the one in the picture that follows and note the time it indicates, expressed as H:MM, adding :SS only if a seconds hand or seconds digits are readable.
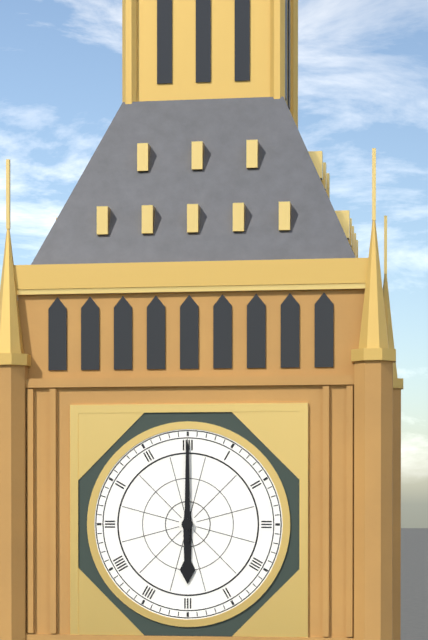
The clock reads 6:00
